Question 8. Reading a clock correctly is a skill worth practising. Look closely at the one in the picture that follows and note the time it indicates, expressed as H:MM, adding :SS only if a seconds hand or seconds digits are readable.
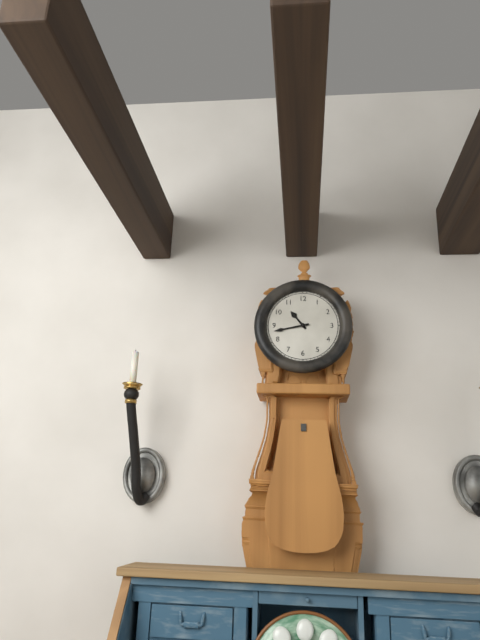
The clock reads 10:43
